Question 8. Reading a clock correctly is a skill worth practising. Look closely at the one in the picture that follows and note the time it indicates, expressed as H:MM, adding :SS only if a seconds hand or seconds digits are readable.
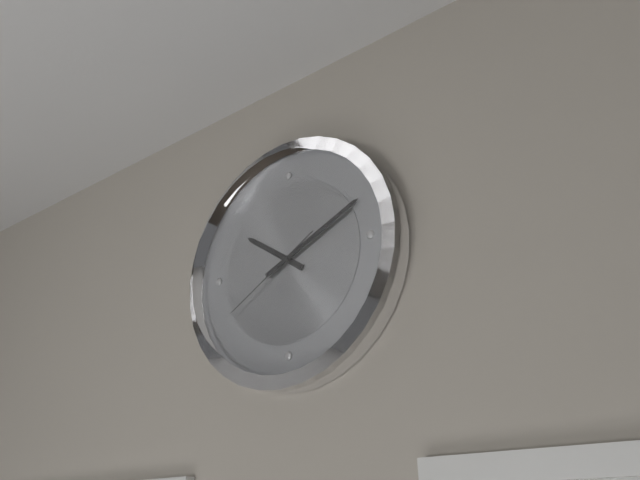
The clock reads 10:11:40
